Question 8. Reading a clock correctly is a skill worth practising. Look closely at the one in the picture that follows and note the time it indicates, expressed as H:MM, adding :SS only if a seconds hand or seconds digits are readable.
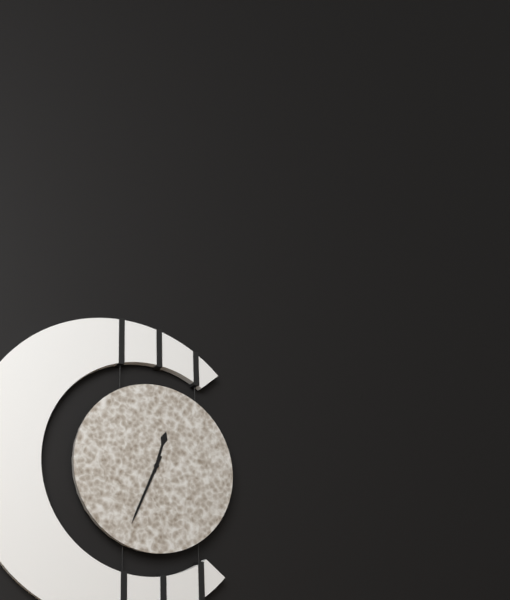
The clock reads 12:34
